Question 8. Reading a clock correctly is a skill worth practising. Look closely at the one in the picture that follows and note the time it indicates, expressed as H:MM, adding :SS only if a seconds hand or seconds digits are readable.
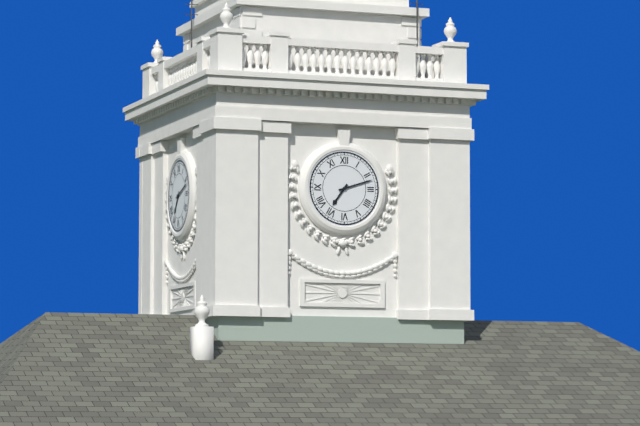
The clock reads 7:12
